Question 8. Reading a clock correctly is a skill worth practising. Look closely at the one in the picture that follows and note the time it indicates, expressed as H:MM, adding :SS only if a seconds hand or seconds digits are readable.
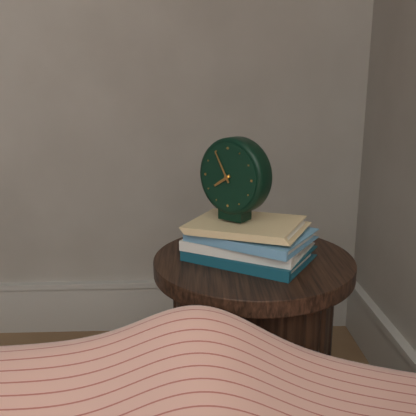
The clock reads 7:55
